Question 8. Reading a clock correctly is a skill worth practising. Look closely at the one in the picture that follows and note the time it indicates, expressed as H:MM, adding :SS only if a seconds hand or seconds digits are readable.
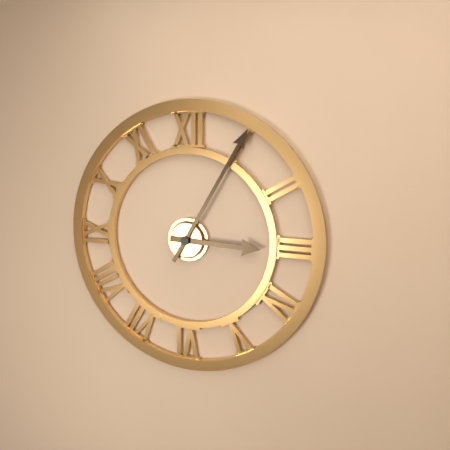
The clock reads 3:05
